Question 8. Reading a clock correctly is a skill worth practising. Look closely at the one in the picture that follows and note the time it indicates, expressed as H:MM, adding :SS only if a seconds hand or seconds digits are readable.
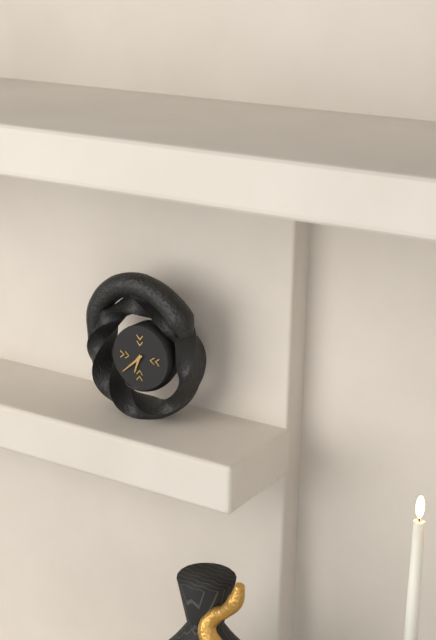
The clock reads 6:38
